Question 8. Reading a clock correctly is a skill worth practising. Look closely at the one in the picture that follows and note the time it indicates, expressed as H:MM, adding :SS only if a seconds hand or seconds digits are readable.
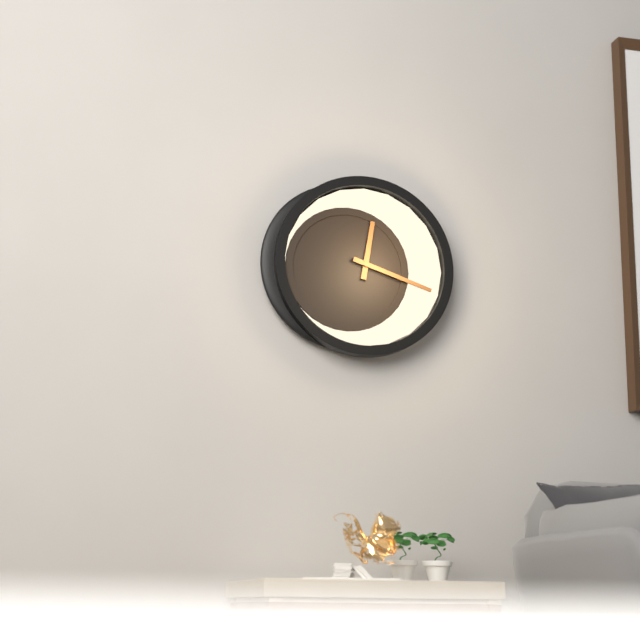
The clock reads 12:18
